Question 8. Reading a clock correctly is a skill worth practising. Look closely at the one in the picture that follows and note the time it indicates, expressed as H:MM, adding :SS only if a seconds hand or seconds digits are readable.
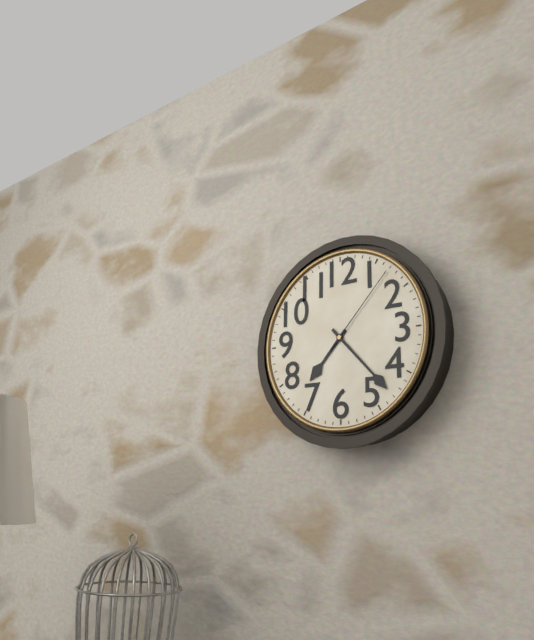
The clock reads 7:23:07
